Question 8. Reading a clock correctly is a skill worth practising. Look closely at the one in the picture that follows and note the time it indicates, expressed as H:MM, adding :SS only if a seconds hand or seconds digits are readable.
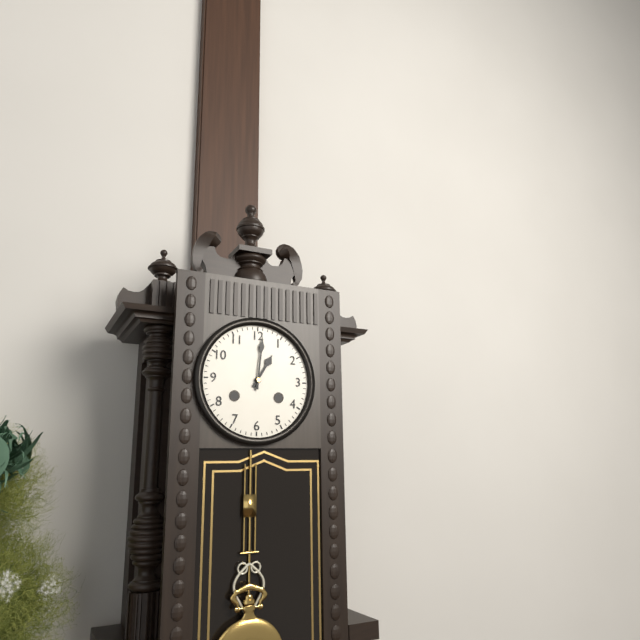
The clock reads 1:01
